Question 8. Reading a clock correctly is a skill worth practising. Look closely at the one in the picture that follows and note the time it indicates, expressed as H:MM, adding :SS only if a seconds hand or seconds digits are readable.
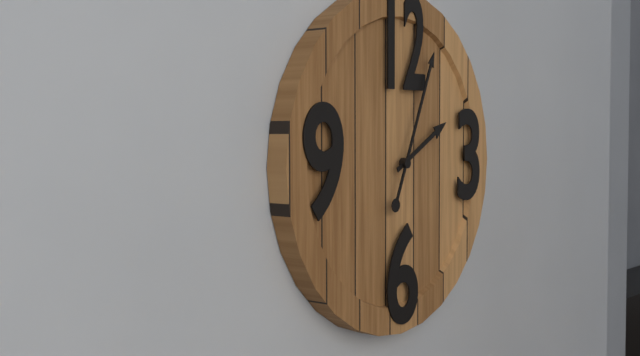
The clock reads 2:04
